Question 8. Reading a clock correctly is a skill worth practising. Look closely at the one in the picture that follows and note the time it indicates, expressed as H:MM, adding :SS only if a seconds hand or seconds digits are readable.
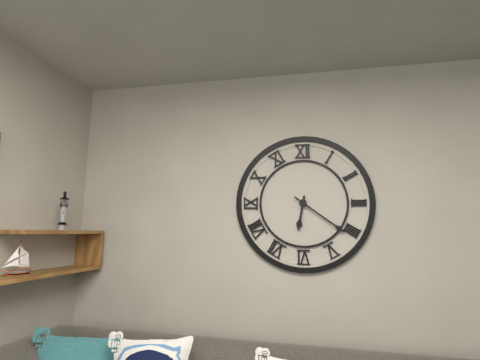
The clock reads 6:21
